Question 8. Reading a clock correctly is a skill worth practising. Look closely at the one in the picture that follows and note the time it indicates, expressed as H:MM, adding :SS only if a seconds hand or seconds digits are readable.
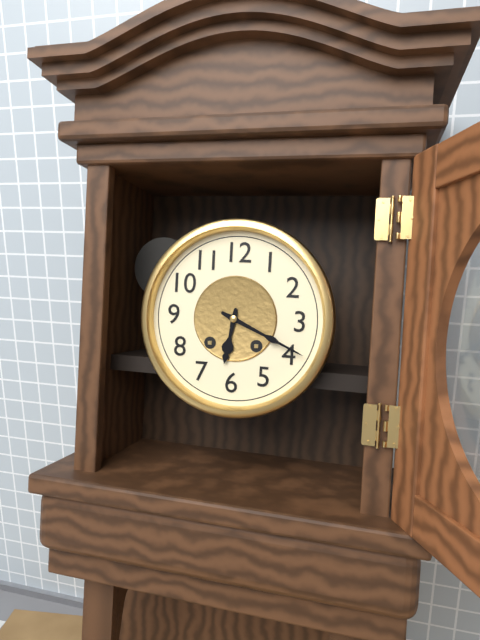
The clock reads 6:19
